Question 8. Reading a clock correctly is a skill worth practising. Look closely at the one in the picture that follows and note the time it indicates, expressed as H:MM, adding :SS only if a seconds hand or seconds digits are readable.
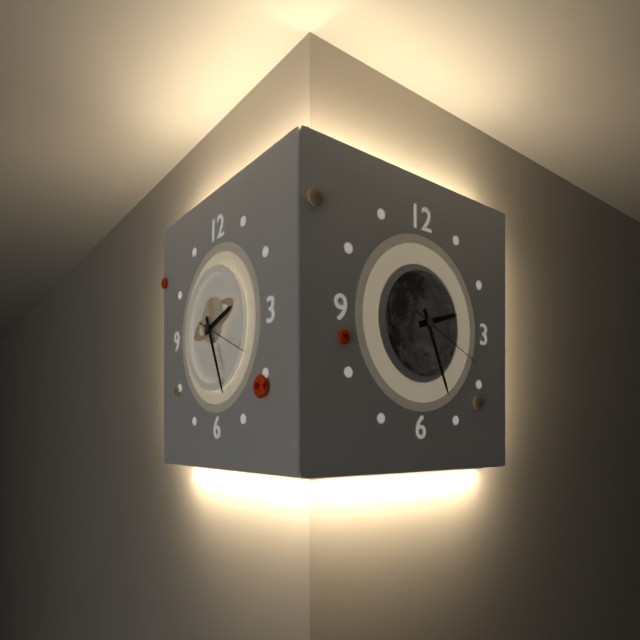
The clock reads 2:26:19
